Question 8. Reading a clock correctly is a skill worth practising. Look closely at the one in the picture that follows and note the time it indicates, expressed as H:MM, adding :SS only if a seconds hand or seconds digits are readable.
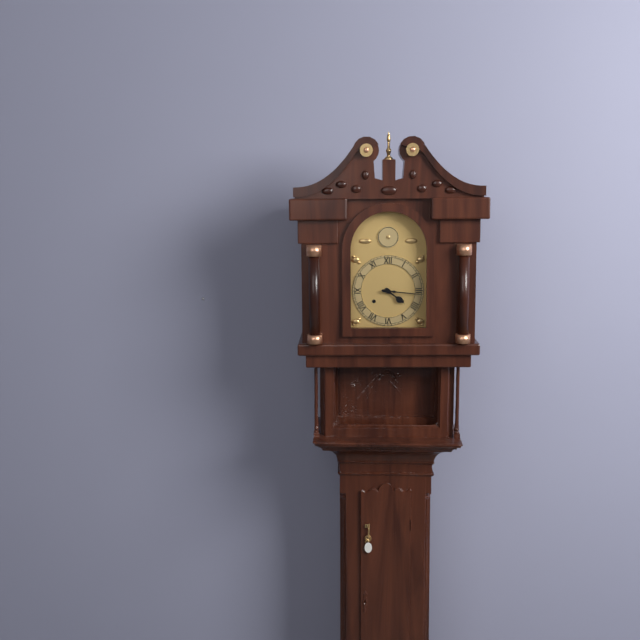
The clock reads 4:16
